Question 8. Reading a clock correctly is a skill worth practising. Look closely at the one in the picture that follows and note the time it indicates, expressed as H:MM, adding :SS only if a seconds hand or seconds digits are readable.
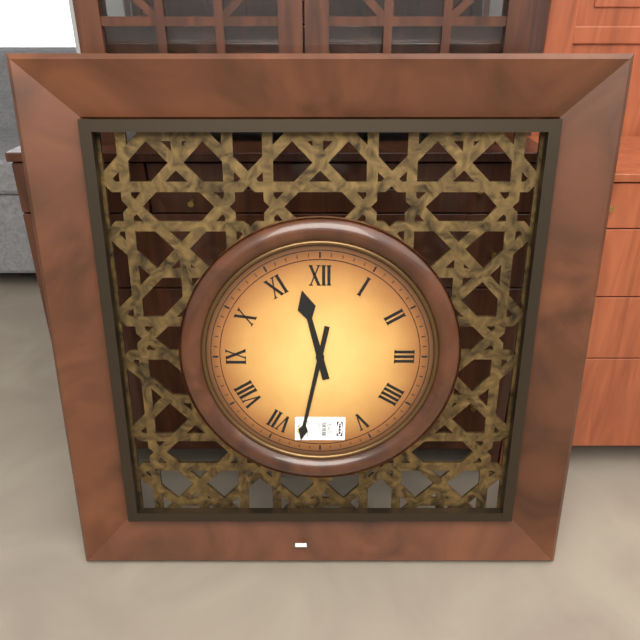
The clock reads 11:32
